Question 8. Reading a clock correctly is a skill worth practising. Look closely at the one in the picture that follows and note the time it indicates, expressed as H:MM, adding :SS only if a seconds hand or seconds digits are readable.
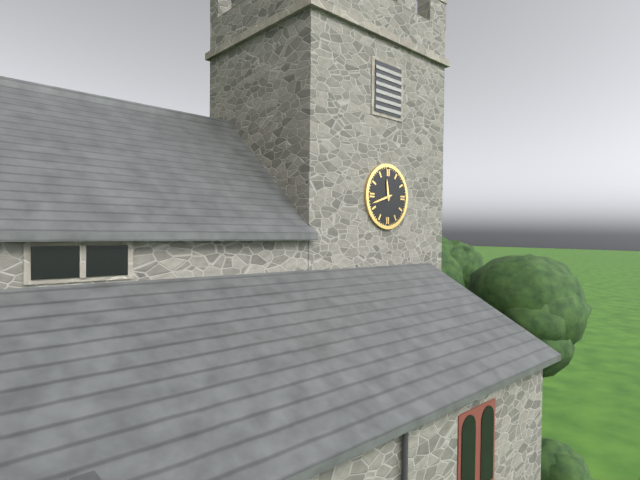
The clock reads 11:42
